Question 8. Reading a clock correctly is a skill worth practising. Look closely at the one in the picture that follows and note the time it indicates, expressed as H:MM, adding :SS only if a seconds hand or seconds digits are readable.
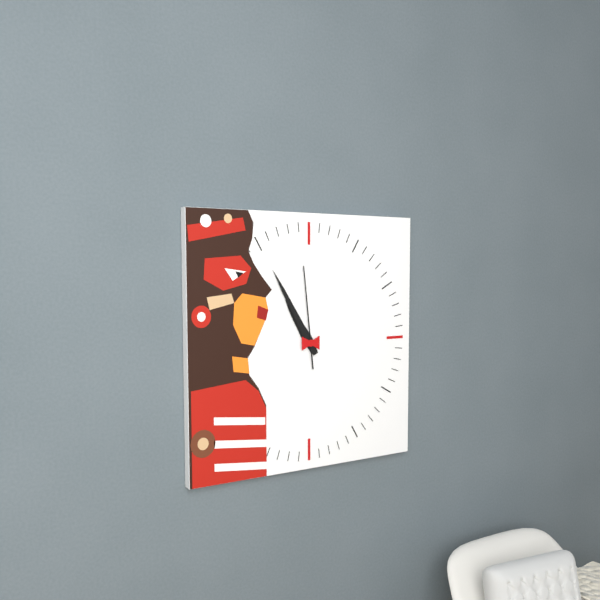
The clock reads 10:55:59
